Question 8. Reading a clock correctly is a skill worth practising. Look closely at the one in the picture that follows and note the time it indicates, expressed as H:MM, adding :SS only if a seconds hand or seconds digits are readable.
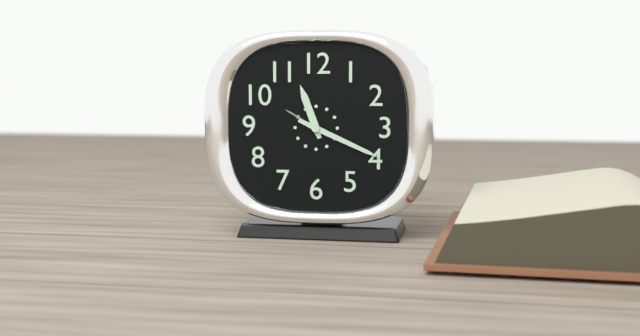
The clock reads 11:19
